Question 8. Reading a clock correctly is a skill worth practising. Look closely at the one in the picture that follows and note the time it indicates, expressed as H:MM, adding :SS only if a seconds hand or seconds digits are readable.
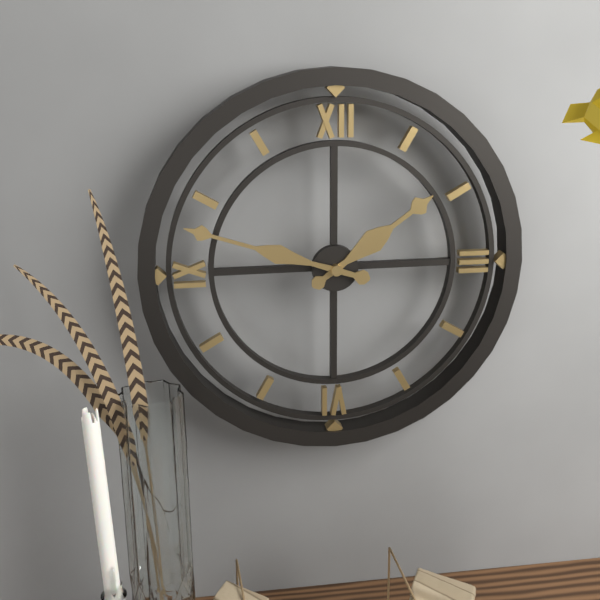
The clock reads 1:48
